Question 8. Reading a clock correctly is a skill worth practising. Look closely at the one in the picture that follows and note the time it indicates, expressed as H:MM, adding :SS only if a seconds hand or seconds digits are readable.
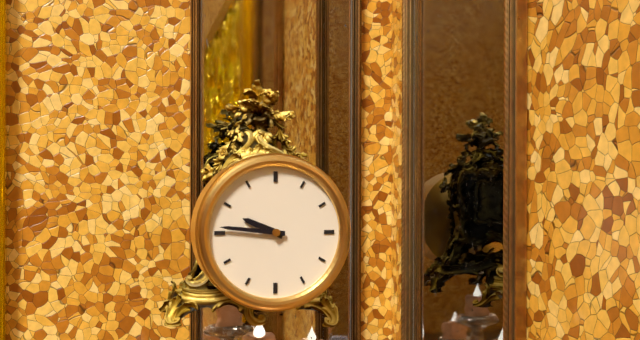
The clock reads 9:46
